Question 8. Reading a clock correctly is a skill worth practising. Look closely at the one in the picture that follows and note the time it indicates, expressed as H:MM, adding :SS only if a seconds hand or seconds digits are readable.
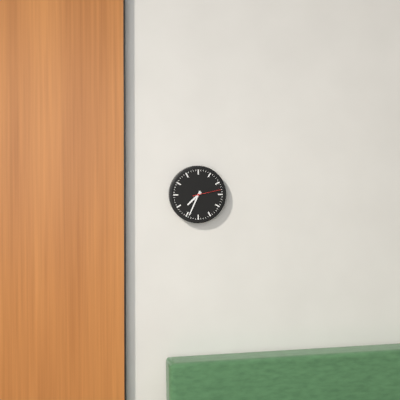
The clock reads 7:34
